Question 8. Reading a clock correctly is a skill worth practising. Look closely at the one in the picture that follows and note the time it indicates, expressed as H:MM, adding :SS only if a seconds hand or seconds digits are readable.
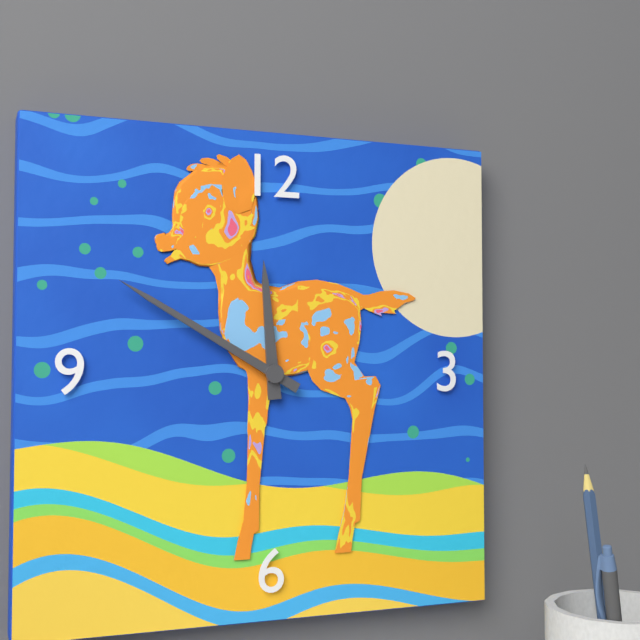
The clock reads 11:50
